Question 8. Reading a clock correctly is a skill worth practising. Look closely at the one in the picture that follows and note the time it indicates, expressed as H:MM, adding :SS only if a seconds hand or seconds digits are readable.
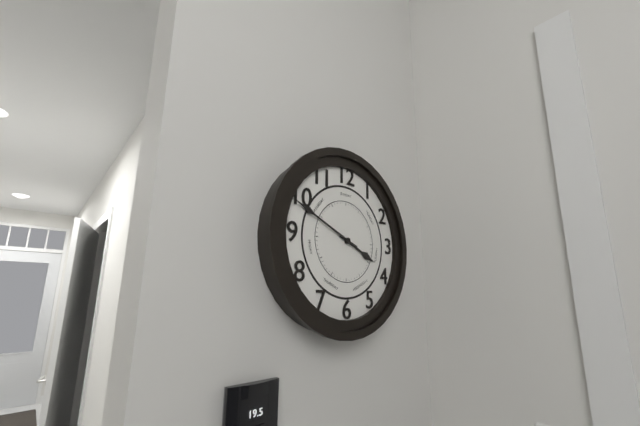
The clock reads 3:49
